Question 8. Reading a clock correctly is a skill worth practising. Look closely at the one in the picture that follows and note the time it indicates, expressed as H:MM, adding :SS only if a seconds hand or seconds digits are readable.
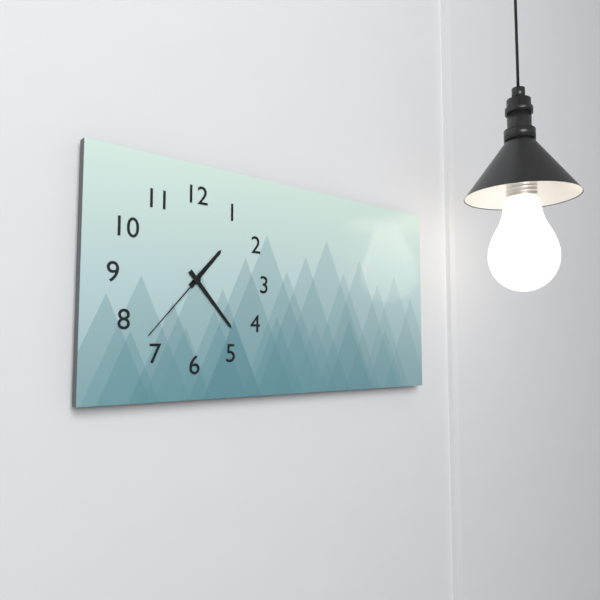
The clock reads 1:23:37
